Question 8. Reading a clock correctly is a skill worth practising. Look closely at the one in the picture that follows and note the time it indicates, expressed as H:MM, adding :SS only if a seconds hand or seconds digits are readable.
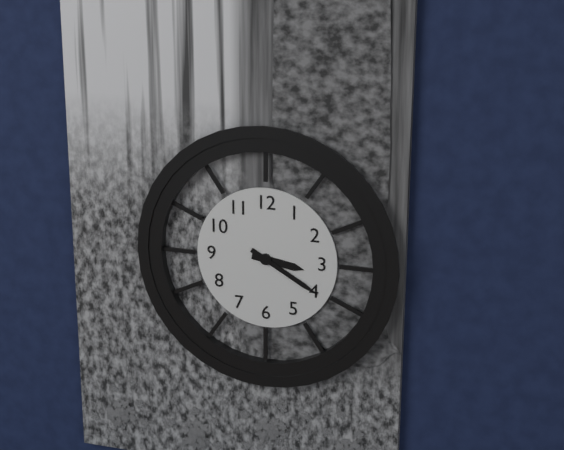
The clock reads 3:20
